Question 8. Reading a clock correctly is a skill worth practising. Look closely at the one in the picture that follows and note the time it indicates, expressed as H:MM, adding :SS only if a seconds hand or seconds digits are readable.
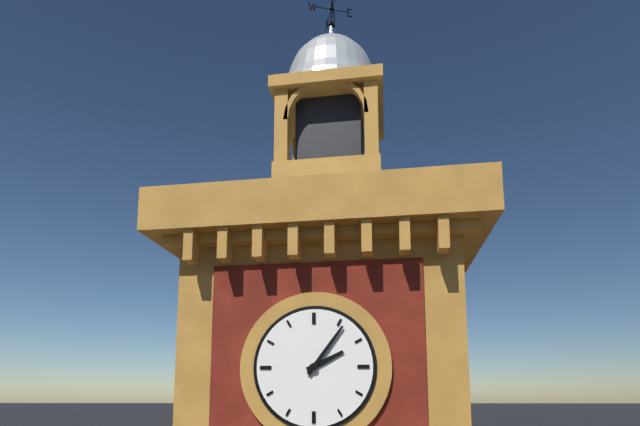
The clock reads 2:06
